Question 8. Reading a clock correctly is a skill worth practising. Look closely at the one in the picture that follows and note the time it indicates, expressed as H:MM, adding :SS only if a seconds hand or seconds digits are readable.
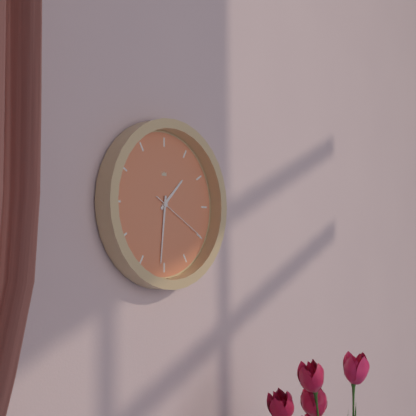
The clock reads 1:31:20
